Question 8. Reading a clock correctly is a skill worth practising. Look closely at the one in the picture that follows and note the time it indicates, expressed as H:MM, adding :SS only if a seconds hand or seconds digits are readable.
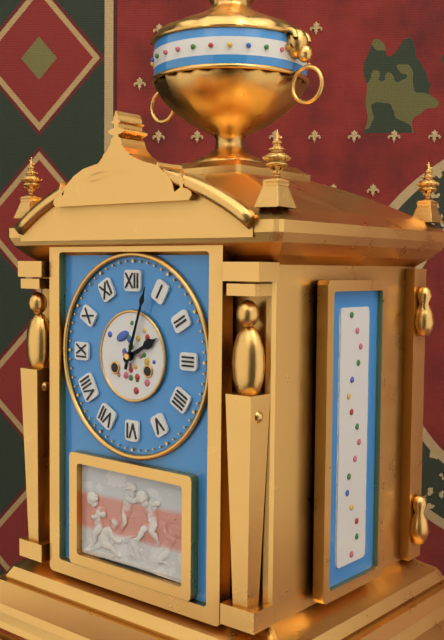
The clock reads 2:03
